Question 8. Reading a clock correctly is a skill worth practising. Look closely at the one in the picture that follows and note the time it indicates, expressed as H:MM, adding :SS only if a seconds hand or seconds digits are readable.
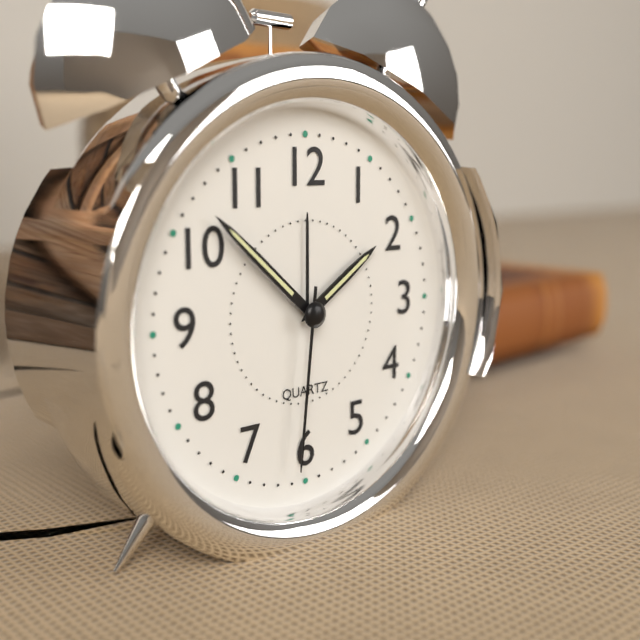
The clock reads 1:52:31
